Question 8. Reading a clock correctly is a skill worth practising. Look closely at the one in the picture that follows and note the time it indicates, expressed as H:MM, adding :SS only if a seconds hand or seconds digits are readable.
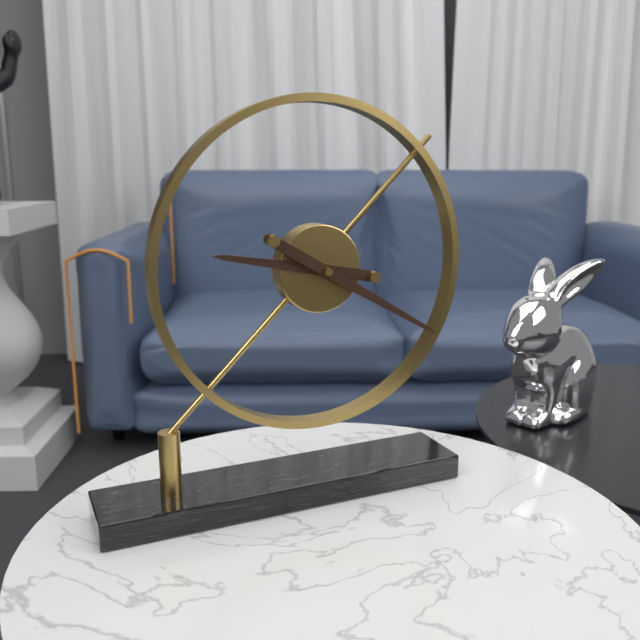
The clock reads 9:20
